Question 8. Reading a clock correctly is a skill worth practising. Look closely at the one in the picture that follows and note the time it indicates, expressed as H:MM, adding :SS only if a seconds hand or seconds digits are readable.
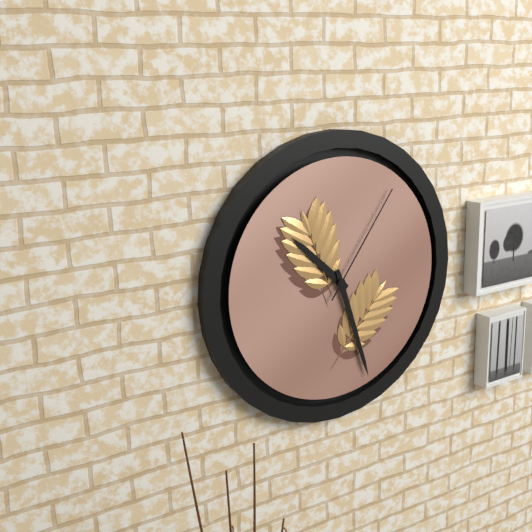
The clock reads 10:27:06
